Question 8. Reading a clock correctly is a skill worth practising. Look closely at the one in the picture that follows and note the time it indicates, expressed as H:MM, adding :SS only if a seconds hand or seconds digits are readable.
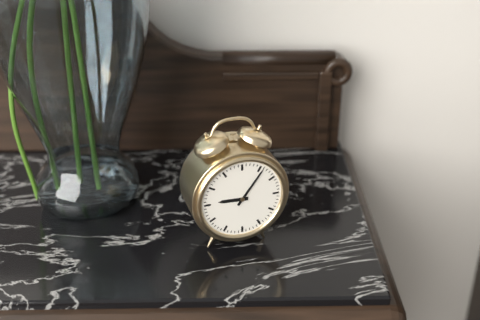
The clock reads 9:06
